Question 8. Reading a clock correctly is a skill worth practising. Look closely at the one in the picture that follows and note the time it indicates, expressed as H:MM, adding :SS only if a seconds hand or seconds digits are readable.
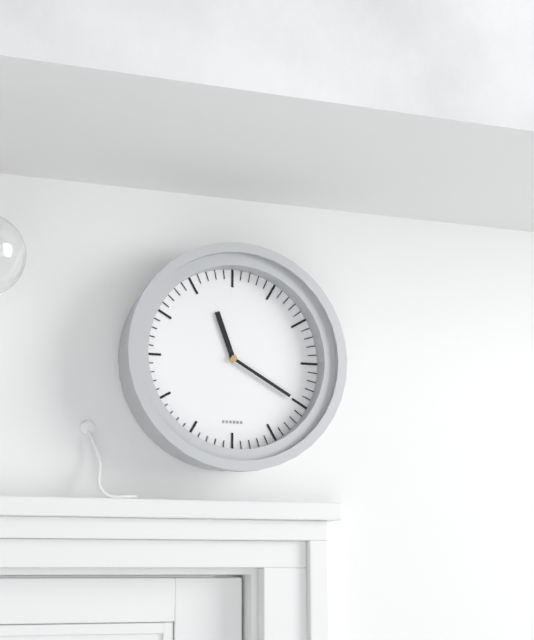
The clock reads 11:20
